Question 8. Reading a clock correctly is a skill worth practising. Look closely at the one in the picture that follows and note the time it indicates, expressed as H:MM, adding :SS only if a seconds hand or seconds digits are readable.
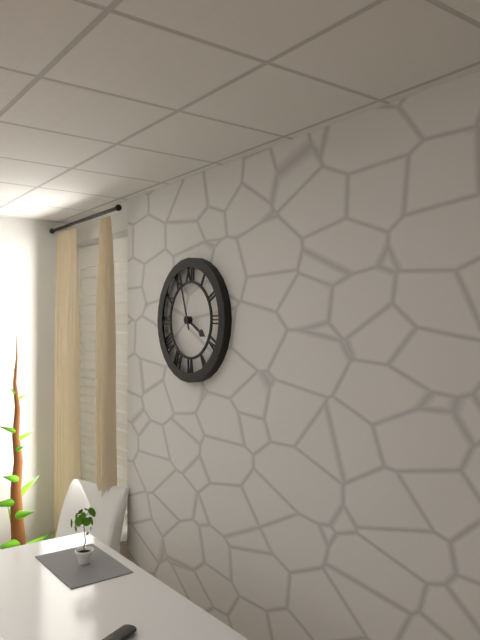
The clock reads 3:57
